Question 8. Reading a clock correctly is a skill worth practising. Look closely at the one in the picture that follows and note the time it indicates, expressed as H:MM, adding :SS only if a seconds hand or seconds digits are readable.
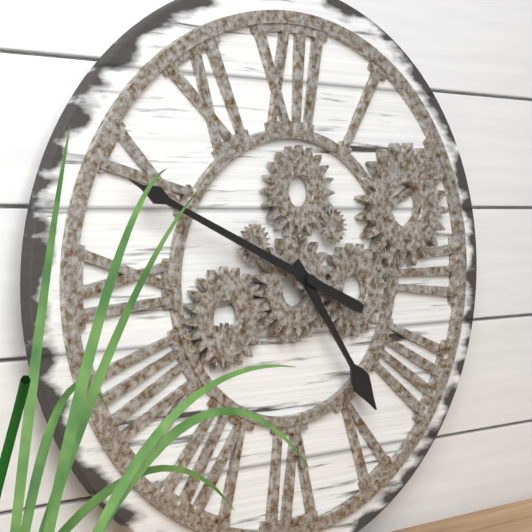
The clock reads 4:49
